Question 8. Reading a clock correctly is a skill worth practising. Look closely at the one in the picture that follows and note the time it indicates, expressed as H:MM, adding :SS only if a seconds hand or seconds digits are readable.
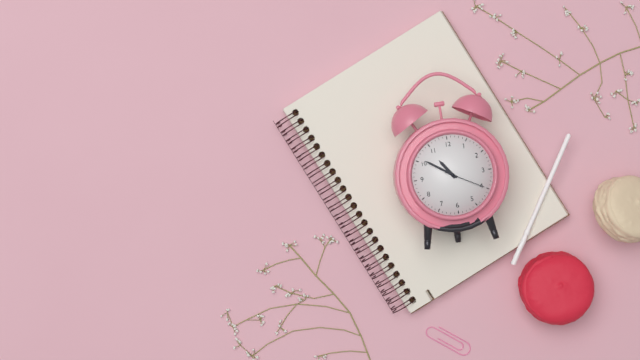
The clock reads 10:51
